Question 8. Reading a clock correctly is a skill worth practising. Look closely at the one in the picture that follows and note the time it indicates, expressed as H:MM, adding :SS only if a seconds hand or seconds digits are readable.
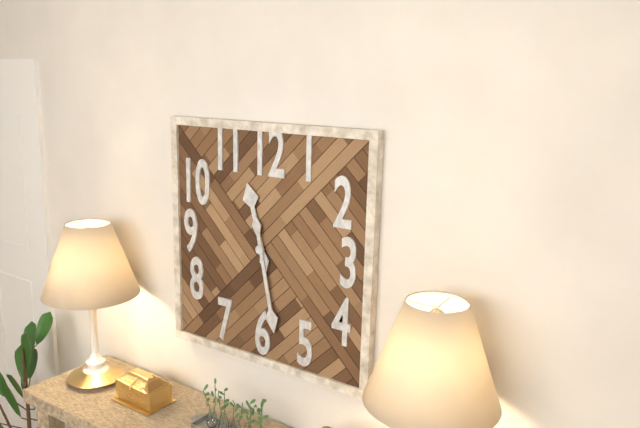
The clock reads 11:28
